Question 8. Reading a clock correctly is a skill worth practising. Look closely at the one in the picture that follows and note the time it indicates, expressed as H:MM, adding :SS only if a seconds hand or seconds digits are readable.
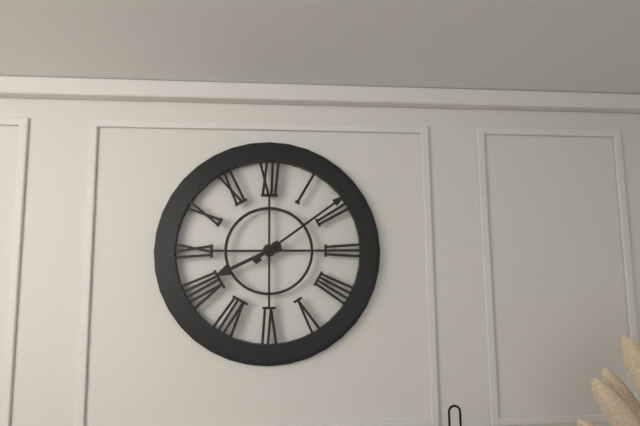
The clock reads 8:09
